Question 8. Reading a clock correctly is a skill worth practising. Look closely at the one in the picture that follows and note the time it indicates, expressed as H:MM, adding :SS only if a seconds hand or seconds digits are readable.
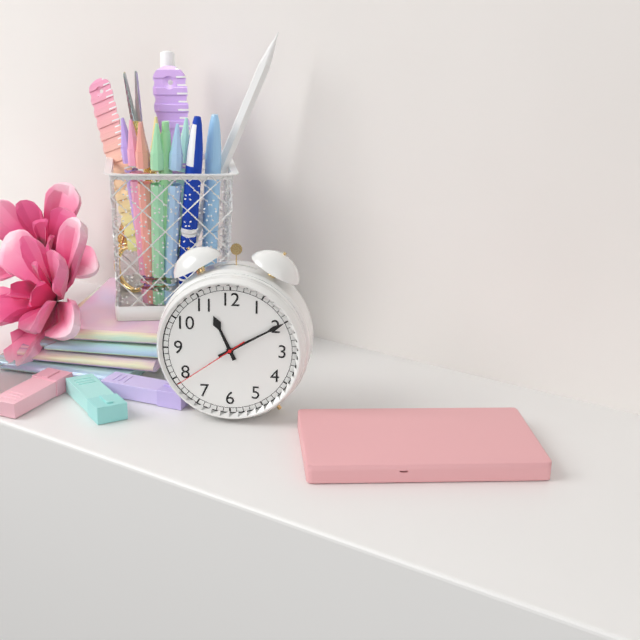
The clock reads 11:10:39
